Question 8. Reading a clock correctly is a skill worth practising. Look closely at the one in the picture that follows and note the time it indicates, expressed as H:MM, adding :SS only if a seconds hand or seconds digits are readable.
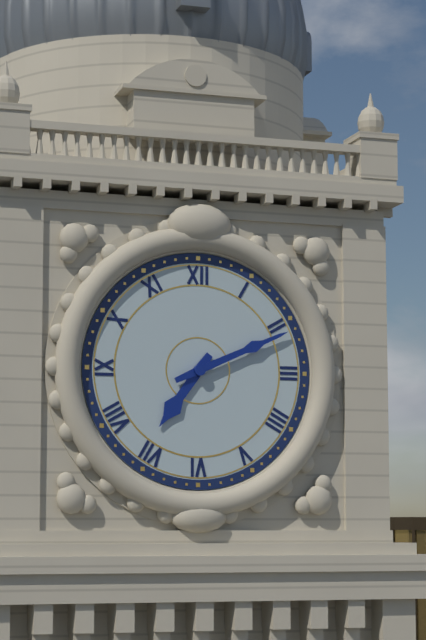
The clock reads 7:11
